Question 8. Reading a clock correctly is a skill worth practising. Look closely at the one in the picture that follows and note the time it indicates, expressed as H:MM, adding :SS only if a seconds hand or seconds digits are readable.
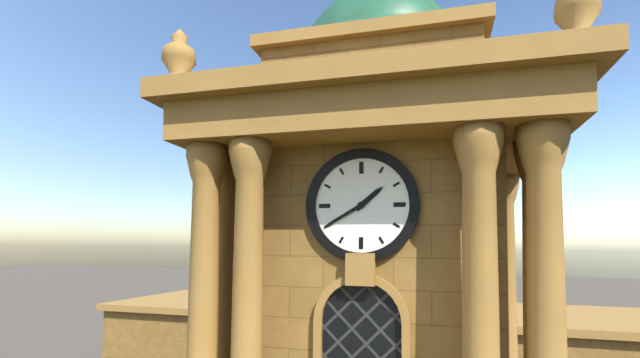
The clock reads 1:40
